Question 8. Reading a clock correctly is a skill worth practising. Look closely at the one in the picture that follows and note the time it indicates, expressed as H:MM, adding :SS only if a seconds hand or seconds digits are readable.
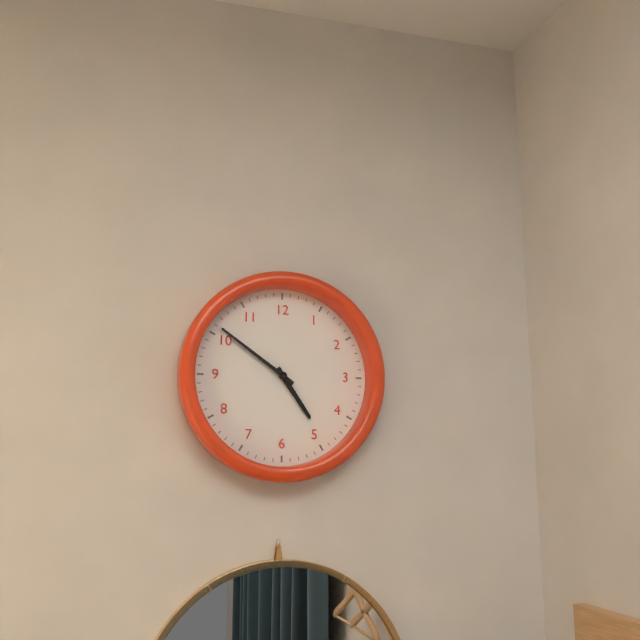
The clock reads 4:51
